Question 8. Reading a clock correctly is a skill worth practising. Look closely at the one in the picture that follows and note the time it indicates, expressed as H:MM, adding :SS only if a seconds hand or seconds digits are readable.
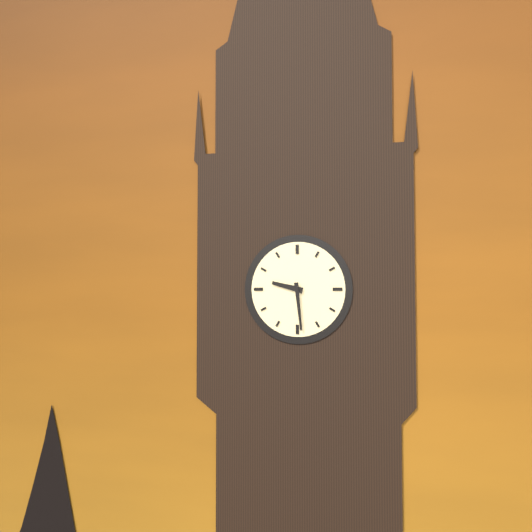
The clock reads 9:29
